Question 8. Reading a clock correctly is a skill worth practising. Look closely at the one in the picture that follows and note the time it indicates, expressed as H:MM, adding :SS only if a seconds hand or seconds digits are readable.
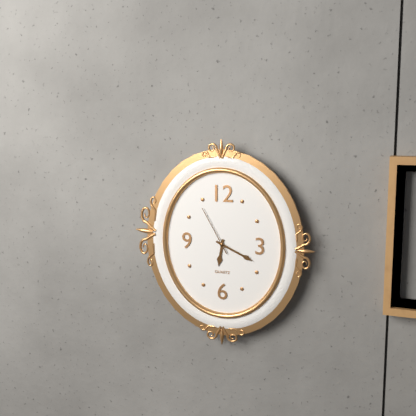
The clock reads 6:19:55
